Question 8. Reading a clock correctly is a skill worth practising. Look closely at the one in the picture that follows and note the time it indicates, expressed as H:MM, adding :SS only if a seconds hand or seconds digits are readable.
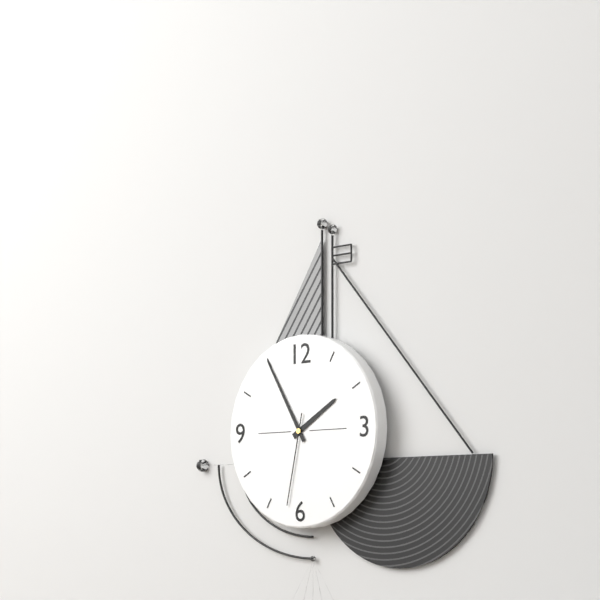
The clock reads 1:55:32
